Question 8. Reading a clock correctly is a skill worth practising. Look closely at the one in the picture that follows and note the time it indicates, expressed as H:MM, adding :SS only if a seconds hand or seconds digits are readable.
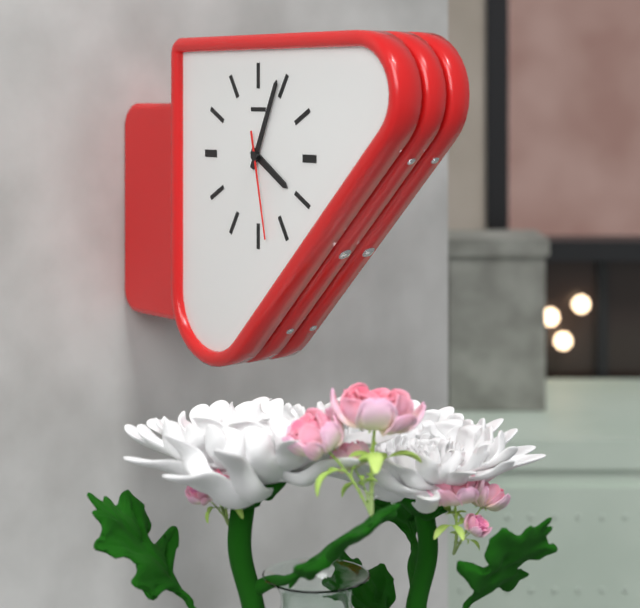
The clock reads 4:04:28
